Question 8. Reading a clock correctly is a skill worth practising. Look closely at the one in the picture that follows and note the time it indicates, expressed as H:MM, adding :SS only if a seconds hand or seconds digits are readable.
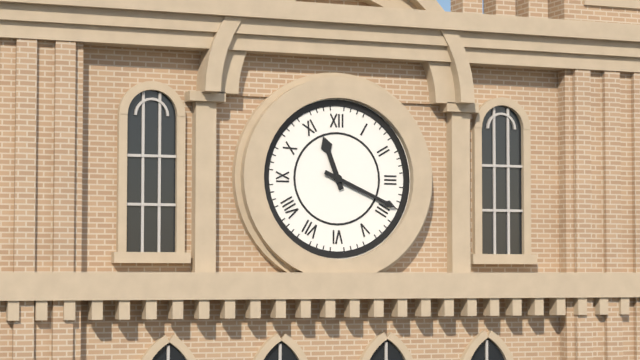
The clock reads 11:19
